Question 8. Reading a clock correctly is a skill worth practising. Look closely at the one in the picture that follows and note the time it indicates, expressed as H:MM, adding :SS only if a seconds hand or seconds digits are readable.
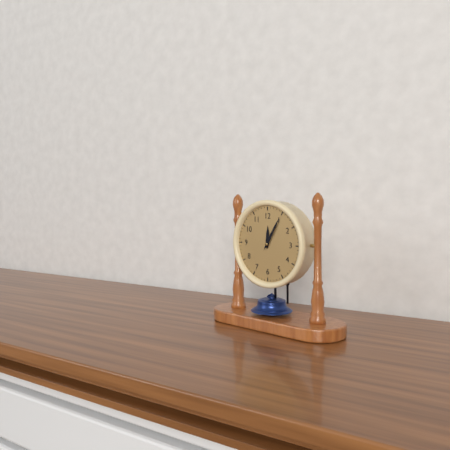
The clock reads 12:05
